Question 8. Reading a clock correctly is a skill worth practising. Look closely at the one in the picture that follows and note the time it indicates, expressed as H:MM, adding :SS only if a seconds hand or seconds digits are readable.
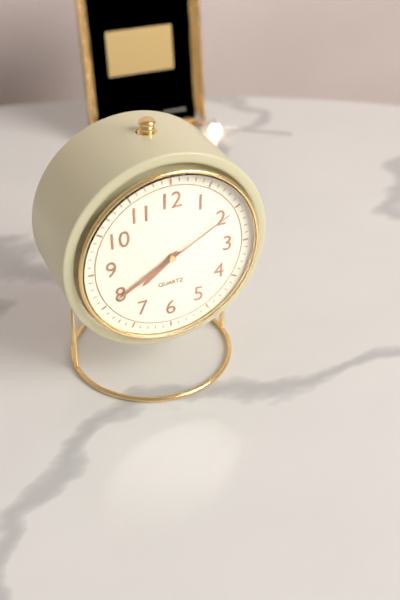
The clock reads 7:40:10
